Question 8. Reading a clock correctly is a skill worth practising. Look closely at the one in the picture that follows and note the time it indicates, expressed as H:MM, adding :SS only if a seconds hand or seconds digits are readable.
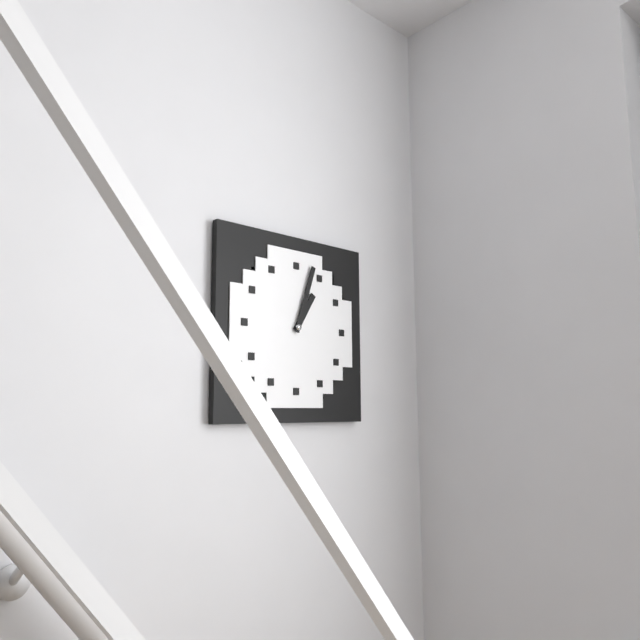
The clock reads 1:03
